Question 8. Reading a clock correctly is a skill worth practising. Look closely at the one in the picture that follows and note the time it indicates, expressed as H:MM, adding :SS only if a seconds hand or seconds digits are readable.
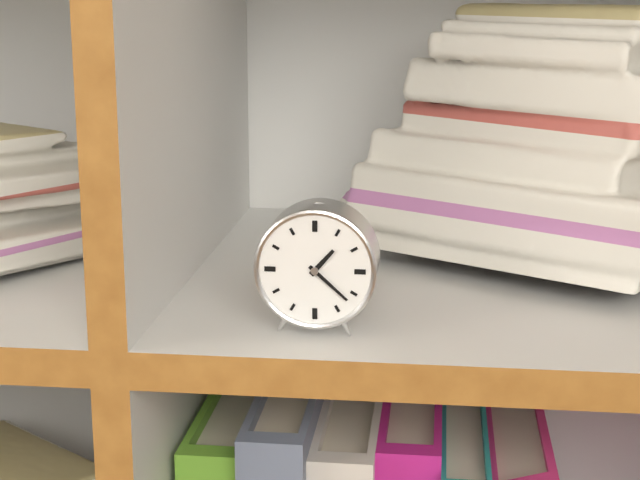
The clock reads 1:22
